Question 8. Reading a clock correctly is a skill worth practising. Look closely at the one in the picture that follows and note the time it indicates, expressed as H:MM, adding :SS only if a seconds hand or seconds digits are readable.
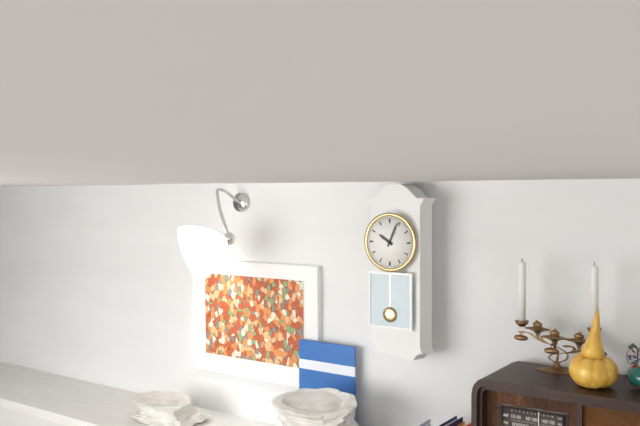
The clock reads 10:04
